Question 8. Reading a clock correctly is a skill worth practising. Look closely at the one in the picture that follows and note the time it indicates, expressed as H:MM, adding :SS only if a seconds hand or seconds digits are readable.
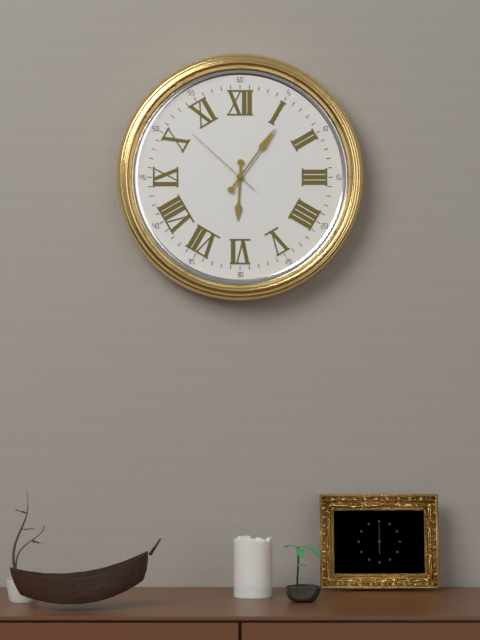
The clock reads 6:06:52
